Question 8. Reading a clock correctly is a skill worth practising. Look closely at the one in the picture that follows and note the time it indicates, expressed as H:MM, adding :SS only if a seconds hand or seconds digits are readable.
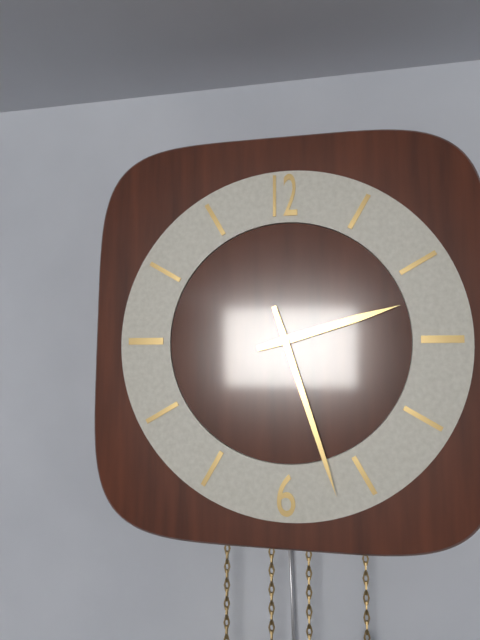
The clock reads 2:27
